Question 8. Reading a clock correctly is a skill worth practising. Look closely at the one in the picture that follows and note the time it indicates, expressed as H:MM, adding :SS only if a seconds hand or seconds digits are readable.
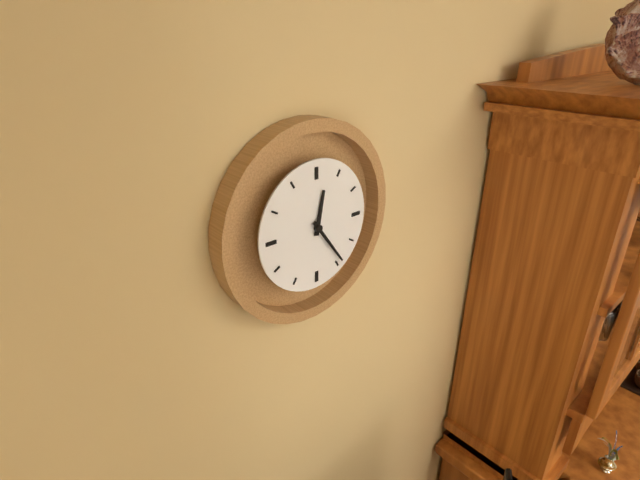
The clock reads 12:24
